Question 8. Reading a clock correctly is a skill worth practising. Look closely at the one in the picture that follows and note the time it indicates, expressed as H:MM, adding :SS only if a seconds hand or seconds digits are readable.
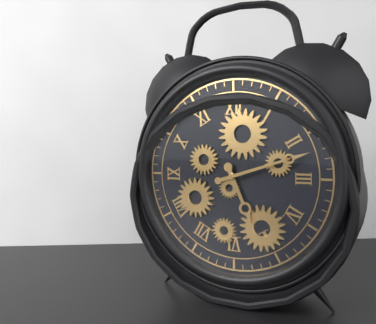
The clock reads 5:12
